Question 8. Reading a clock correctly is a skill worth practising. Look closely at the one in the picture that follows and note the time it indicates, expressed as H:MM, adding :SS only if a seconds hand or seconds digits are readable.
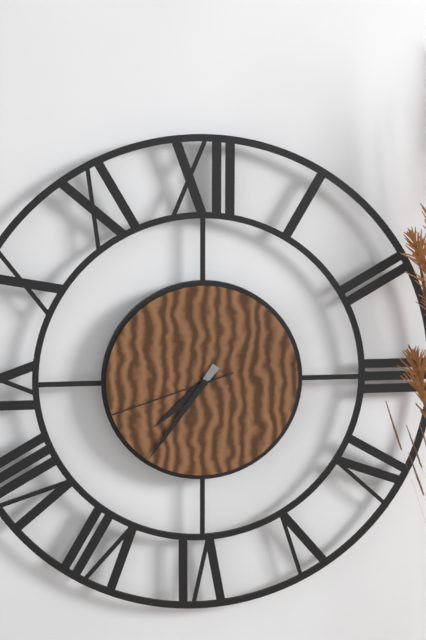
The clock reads 7:36:42
